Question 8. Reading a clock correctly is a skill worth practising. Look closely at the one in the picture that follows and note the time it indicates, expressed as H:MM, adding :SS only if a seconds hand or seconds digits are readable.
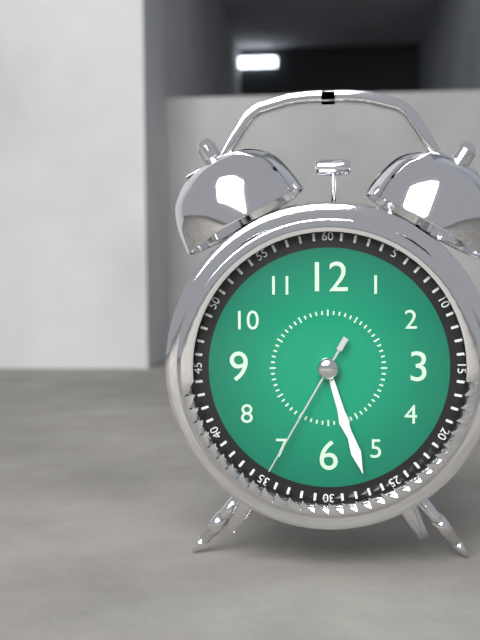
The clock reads 5:27:35
